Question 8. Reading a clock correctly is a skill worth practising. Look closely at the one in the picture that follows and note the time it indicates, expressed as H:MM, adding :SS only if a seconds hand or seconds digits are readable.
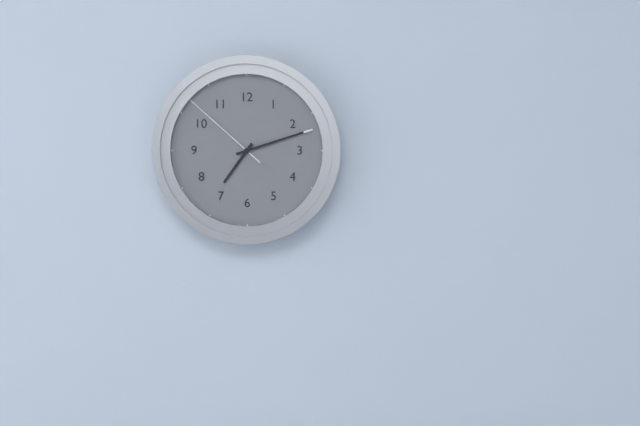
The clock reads 7:12:52
